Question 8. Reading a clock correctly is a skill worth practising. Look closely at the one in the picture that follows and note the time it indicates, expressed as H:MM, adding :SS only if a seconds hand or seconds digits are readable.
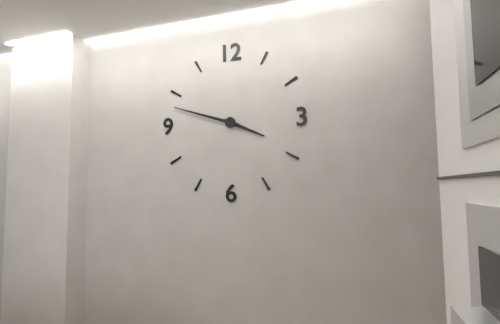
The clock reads 3:48
